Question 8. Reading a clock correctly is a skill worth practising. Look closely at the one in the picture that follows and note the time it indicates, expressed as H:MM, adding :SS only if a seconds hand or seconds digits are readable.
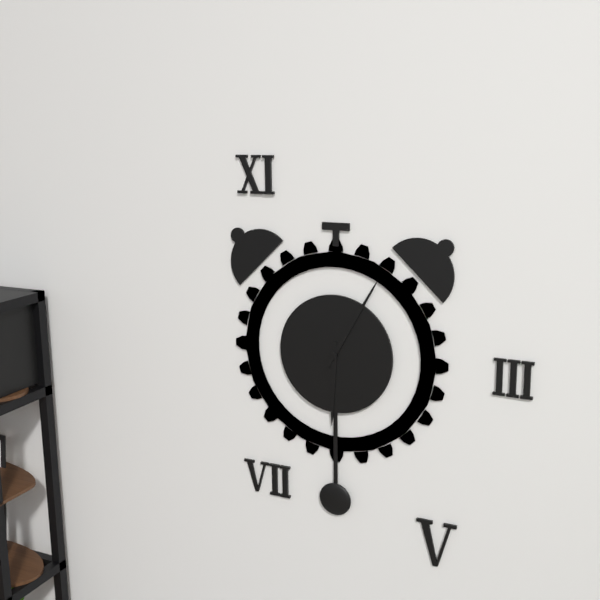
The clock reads 6:05
